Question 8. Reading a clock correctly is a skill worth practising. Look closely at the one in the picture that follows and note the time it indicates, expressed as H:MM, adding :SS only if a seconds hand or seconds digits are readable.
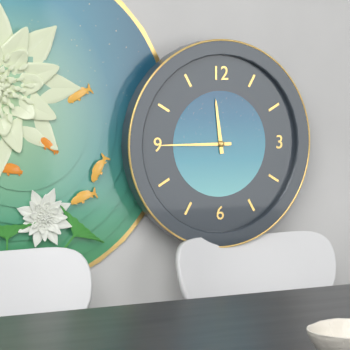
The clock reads 11:45
